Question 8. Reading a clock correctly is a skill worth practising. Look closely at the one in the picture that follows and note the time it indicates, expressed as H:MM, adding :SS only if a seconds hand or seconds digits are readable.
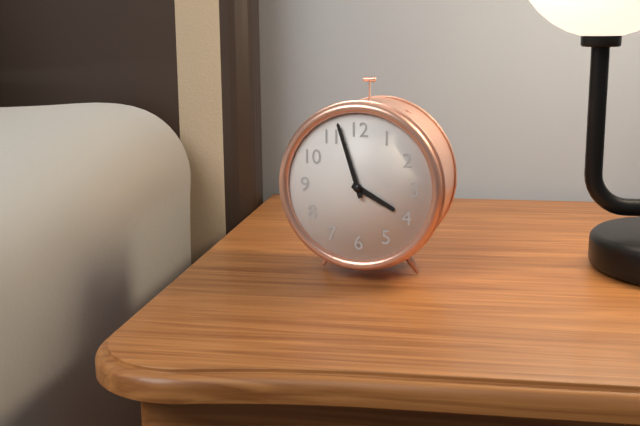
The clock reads 3:57
